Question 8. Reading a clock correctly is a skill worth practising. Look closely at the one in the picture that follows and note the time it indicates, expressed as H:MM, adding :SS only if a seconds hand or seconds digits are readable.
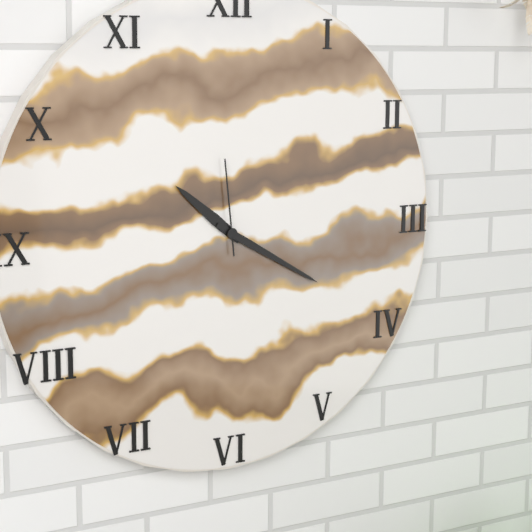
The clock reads 10:20:59
